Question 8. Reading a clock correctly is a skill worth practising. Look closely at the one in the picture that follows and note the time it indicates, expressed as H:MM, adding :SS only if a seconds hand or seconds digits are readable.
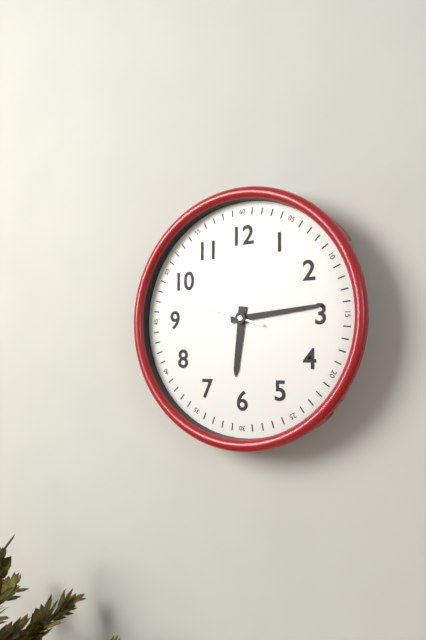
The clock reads 6:14:48
